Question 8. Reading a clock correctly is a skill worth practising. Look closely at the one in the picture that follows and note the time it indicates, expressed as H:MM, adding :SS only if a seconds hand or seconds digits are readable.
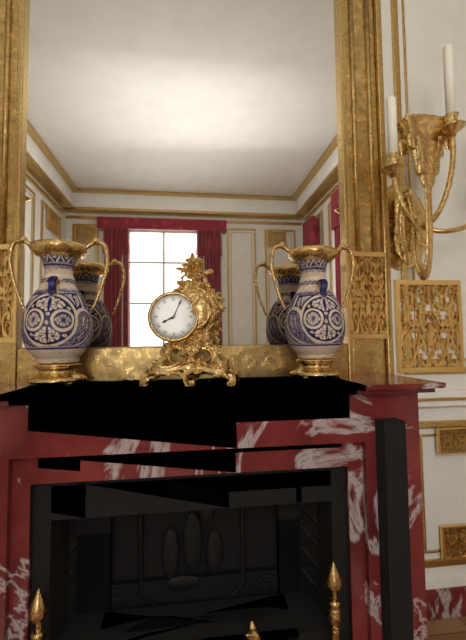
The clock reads 8:04
